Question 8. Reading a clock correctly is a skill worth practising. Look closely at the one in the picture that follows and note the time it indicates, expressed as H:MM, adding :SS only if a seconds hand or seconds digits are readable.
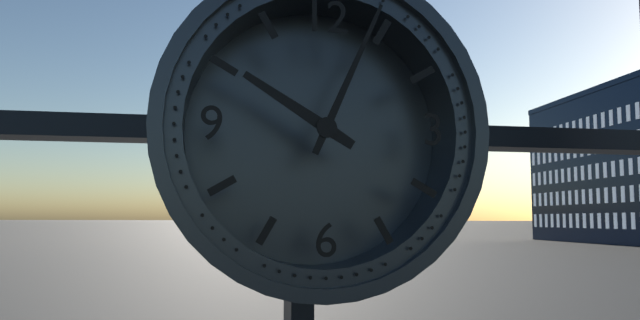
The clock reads 10:04
